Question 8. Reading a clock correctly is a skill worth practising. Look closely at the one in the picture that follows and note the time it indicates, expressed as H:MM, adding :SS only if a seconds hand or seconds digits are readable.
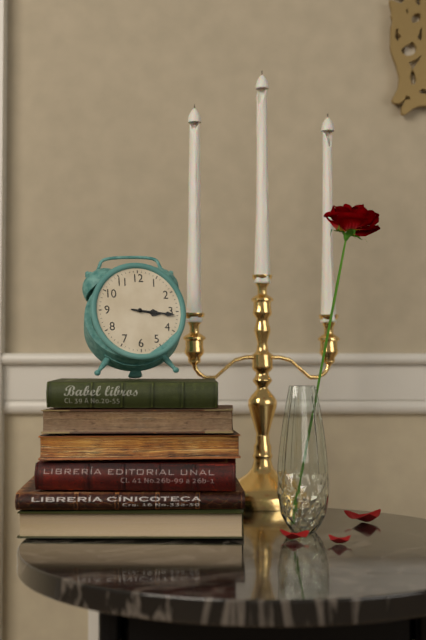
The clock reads 3:16
